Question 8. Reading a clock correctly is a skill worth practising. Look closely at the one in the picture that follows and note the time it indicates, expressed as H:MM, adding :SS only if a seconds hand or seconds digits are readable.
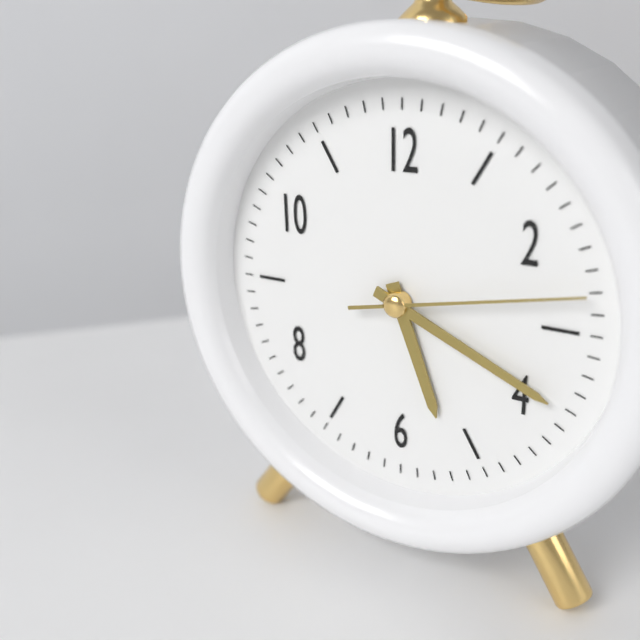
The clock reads 5:19:13
